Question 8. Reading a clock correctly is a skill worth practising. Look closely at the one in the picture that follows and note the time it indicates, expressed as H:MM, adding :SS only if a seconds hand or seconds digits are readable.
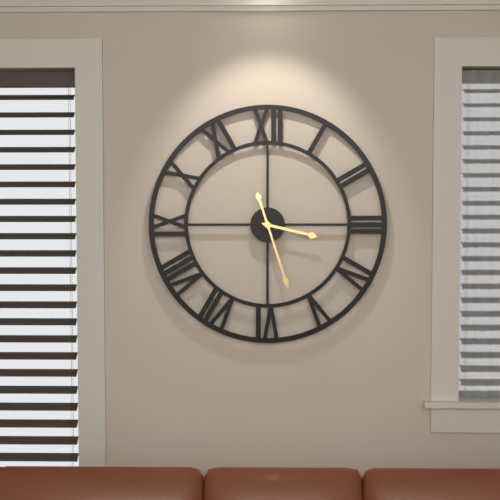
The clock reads 3:27
